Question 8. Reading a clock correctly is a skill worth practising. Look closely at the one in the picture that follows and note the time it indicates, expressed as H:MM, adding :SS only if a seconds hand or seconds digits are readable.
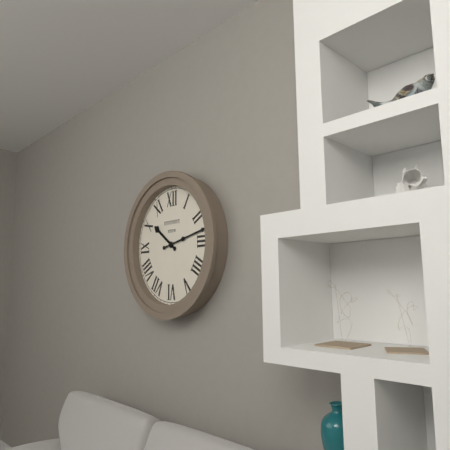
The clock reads 10:13
